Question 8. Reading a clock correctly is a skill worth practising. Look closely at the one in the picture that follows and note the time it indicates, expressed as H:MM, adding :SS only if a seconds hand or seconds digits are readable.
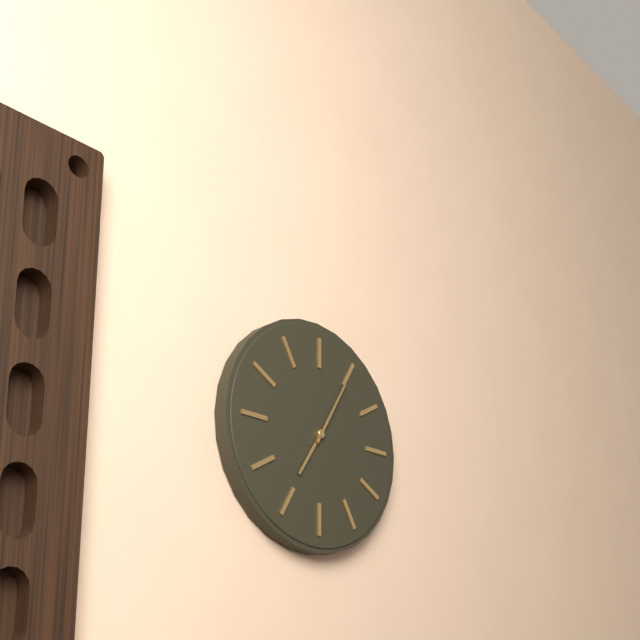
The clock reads 7:05
